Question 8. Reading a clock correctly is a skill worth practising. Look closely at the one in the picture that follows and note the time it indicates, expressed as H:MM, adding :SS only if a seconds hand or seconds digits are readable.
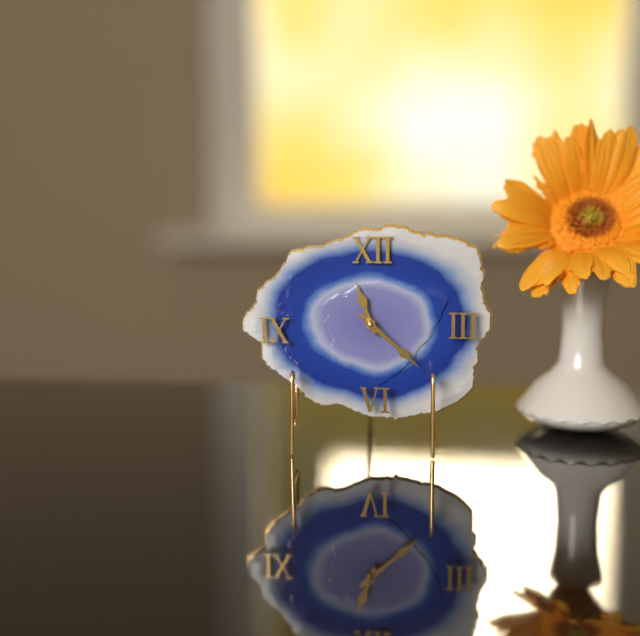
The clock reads 11:22
